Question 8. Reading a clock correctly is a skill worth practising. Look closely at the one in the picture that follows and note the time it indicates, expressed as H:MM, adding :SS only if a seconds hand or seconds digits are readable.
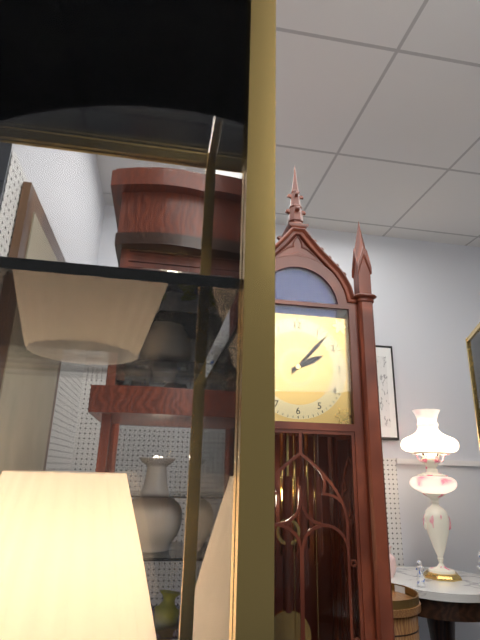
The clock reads 2:07
